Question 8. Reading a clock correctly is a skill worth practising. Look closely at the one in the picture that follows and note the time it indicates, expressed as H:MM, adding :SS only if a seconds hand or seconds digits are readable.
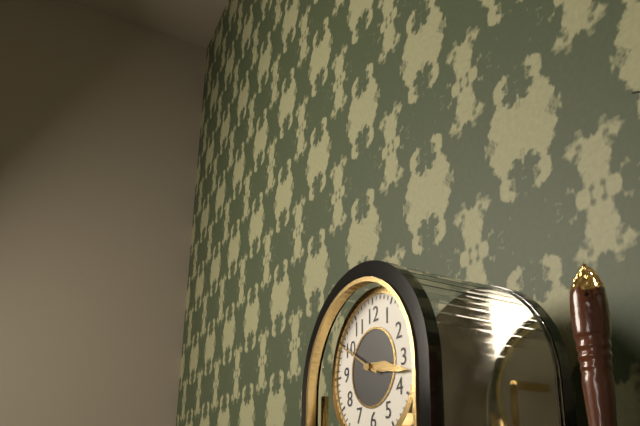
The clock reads 3:17
